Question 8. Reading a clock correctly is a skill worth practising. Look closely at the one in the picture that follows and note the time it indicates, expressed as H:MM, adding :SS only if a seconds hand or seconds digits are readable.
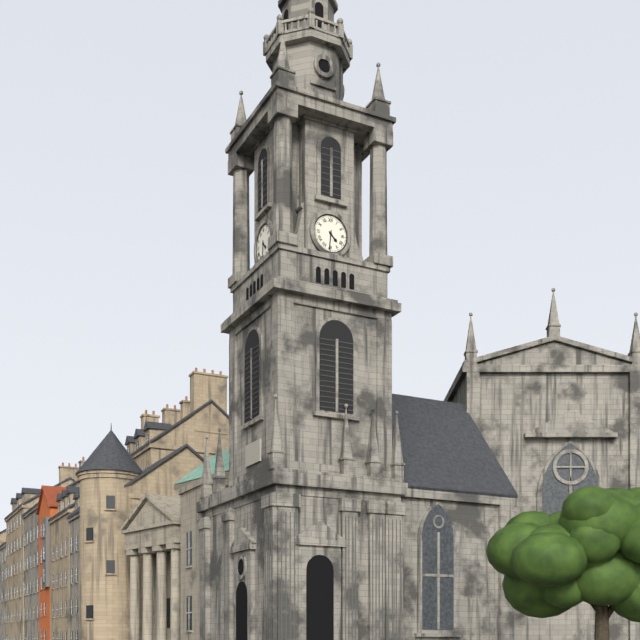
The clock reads 4:31
